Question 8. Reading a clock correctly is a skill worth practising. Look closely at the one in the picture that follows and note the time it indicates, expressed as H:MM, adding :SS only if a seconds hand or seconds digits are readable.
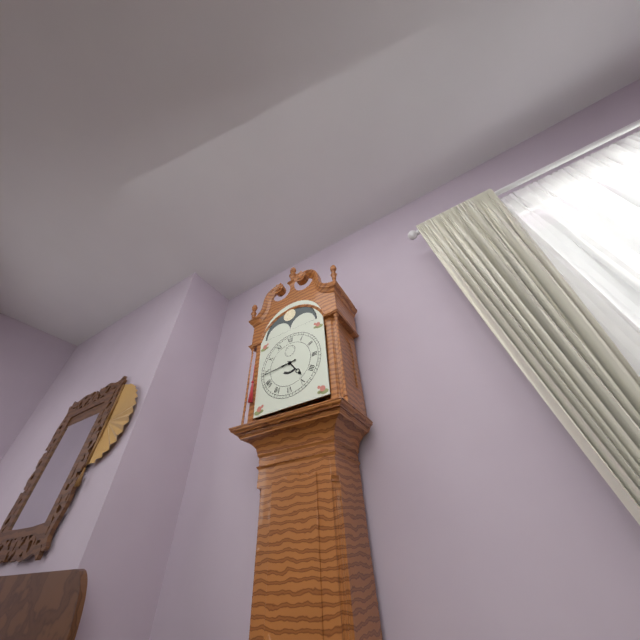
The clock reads 4:44
